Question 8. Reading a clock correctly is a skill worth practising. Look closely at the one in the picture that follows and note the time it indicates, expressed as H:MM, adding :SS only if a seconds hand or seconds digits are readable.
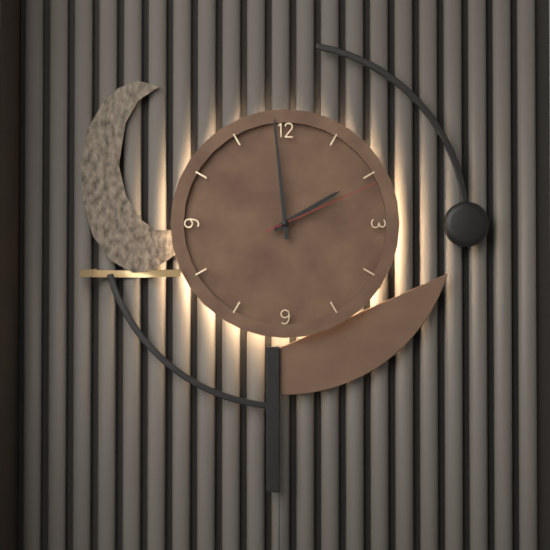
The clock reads 1:59:11
